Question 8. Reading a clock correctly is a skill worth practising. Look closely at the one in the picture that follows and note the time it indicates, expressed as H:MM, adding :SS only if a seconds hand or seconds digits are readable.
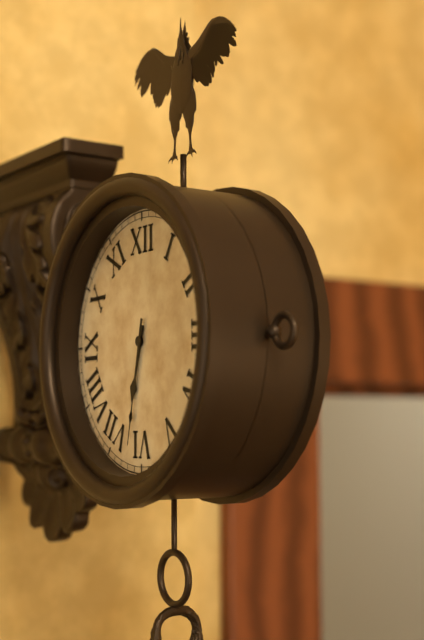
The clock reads 6:32
